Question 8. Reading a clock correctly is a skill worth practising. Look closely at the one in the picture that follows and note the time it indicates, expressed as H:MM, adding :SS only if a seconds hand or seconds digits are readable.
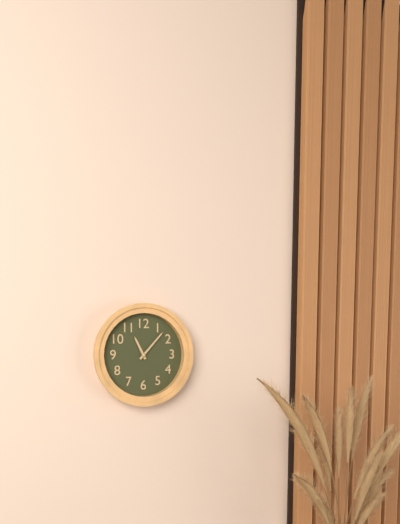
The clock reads 11:07
